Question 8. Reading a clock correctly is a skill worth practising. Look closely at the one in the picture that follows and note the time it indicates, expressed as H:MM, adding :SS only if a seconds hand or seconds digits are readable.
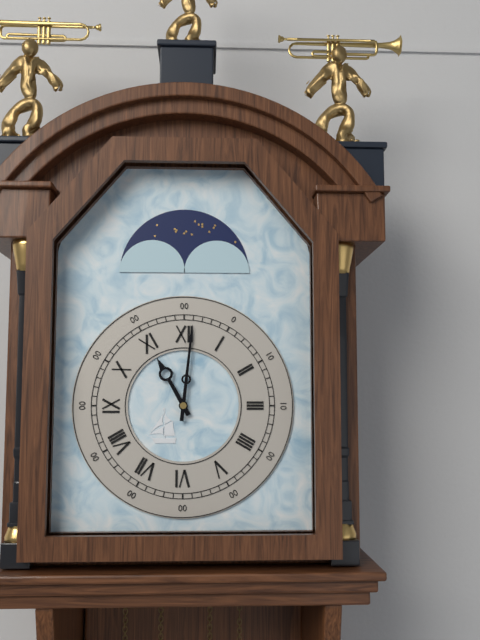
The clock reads 11:01
